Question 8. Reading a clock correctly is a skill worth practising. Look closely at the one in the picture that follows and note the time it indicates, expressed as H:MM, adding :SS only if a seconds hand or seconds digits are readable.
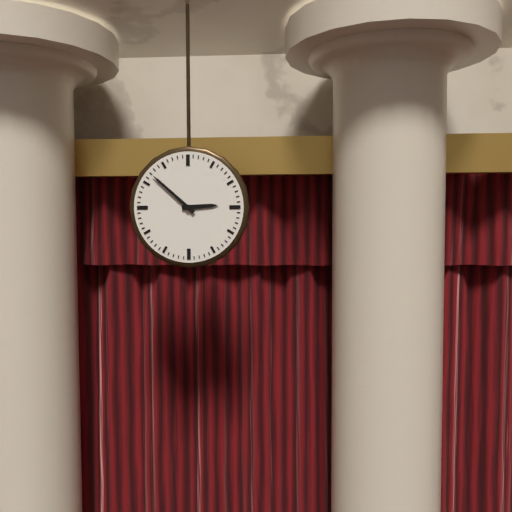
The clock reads 2:52
